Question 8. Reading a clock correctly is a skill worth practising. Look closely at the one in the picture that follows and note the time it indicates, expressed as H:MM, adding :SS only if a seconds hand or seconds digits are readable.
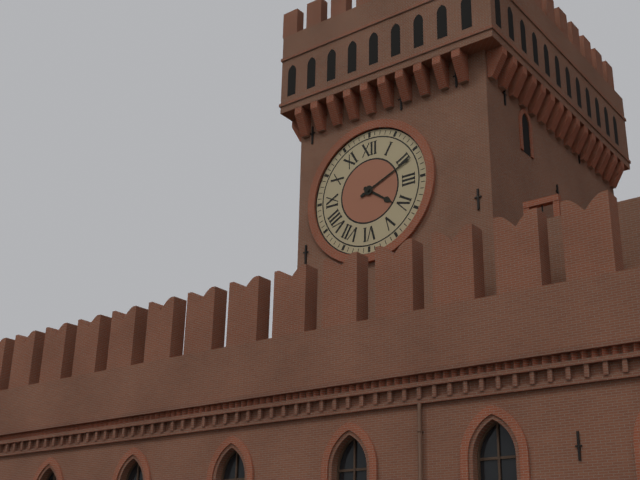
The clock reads 4:11
